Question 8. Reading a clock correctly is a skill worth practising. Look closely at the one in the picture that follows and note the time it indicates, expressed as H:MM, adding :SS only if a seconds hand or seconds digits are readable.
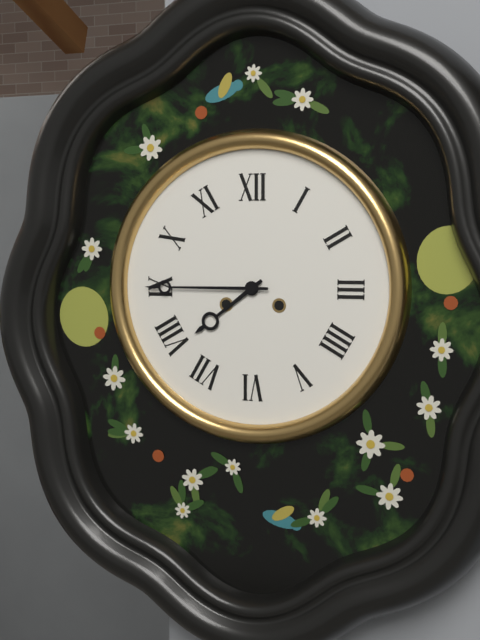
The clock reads 7:45
